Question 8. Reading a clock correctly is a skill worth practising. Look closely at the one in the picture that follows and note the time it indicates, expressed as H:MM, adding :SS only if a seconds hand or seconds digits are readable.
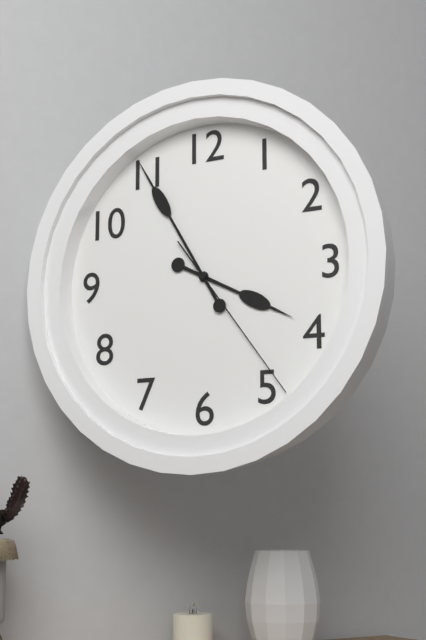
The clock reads 3:55:24
